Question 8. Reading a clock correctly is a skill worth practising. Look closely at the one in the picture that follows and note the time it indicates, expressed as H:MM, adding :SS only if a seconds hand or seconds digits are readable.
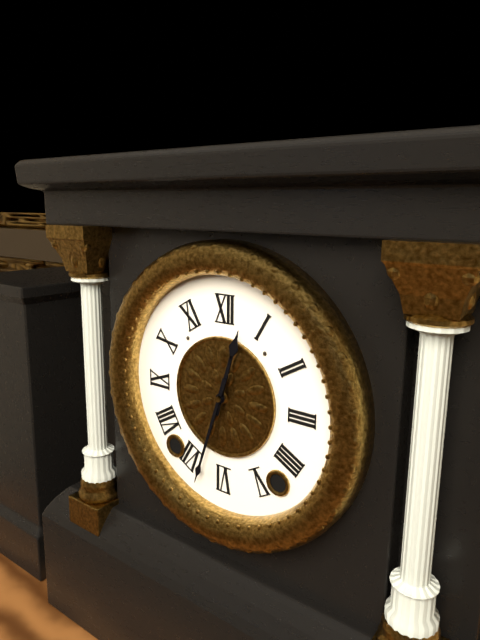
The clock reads 12:33
